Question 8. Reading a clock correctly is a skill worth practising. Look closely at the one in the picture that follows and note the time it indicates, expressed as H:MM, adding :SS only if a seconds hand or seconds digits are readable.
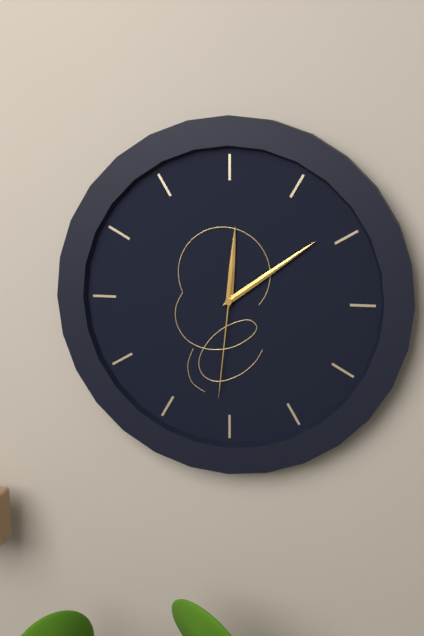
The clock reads 12:09:31
